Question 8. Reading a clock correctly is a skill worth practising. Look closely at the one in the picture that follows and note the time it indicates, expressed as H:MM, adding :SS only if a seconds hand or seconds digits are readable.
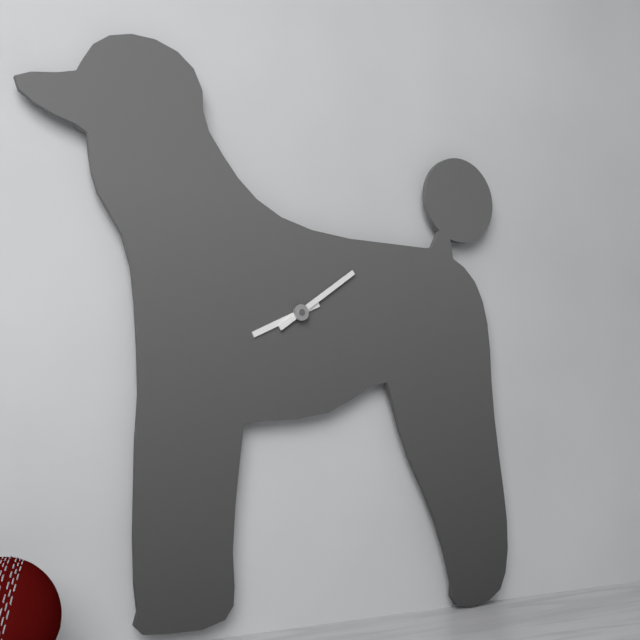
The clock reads 8:09
